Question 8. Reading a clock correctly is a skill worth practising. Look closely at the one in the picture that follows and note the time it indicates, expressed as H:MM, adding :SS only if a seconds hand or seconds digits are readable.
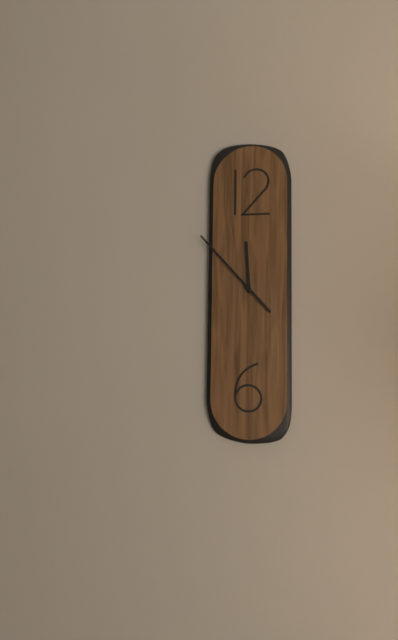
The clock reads 11:53
